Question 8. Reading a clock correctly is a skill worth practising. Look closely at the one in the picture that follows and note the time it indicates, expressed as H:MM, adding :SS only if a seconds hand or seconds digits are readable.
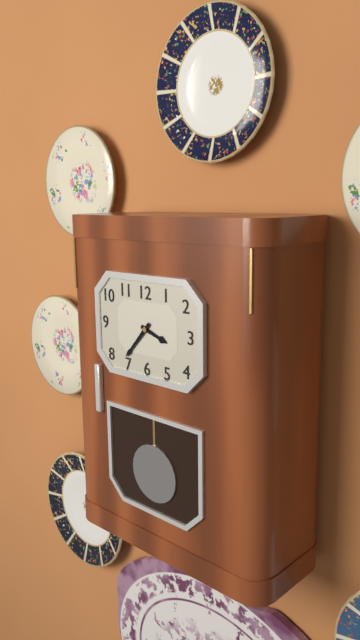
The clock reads 3:37
